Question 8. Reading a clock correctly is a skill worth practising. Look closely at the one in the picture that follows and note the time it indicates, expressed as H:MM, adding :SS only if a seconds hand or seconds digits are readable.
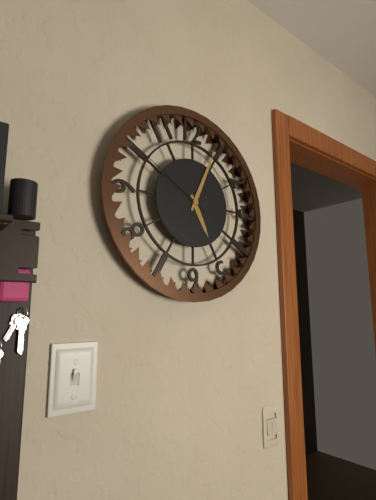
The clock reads 5:04:50
